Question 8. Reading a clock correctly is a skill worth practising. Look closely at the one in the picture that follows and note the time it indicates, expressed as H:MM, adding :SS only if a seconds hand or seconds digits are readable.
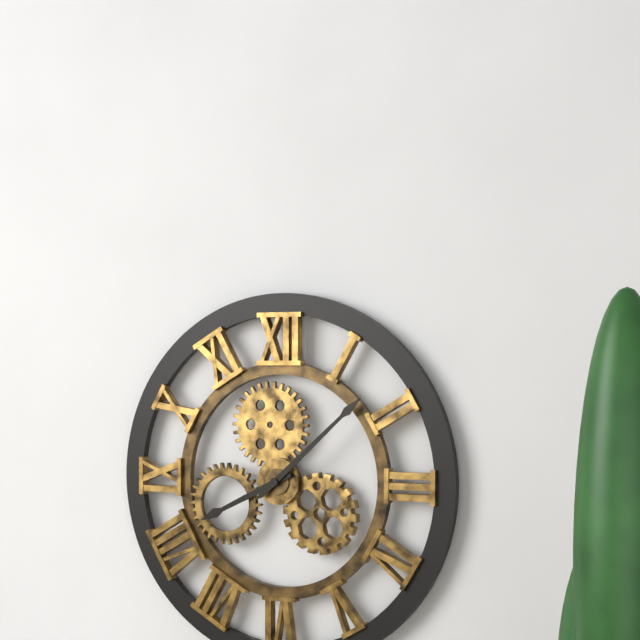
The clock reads 8:08
